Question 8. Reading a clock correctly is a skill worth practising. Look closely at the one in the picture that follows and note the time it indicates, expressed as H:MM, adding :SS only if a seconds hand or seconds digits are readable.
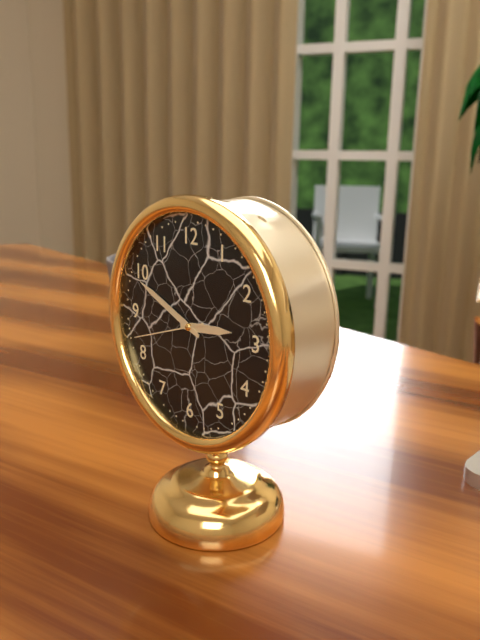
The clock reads 2:49:42
